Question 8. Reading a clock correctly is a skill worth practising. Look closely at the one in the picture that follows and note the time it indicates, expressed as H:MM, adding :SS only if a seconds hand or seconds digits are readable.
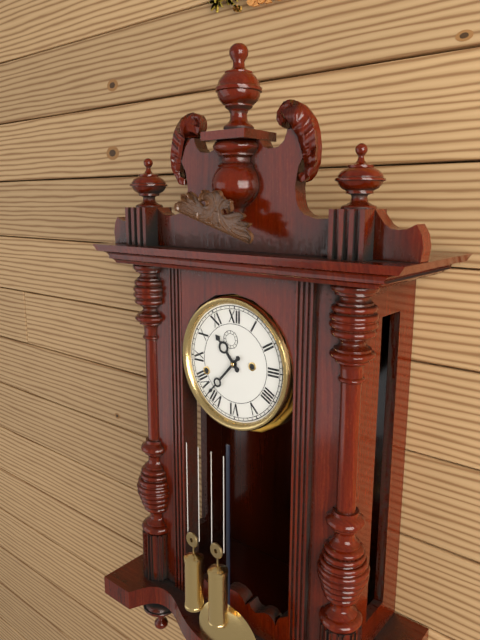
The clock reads 10:37
